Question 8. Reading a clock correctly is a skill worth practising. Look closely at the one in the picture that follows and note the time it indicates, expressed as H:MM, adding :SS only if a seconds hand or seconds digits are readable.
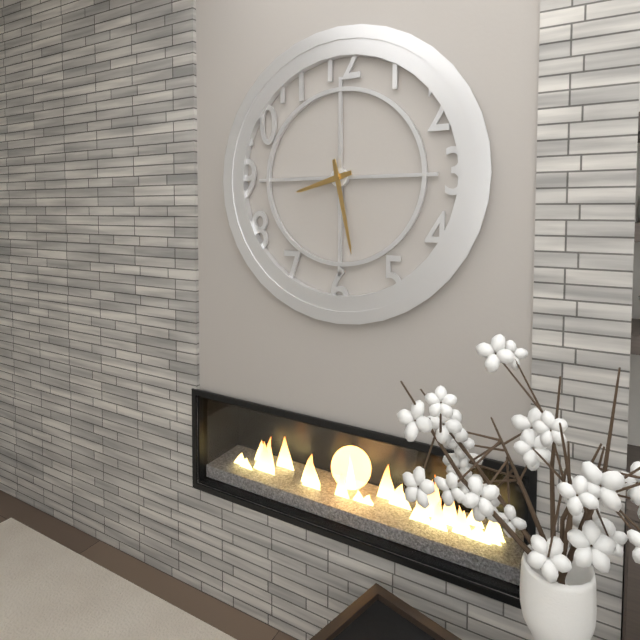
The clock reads 8:28
